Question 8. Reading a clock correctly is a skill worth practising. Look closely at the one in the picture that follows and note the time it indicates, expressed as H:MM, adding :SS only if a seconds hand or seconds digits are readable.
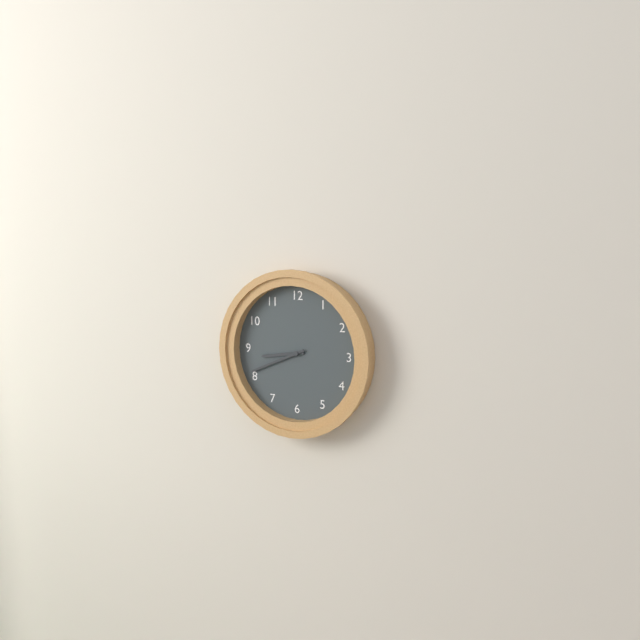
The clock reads 8:41
